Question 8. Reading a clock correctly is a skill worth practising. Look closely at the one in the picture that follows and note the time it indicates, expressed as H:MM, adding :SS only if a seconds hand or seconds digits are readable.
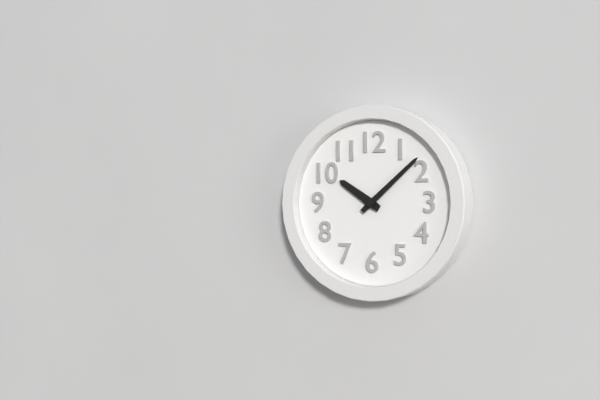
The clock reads 10:08
